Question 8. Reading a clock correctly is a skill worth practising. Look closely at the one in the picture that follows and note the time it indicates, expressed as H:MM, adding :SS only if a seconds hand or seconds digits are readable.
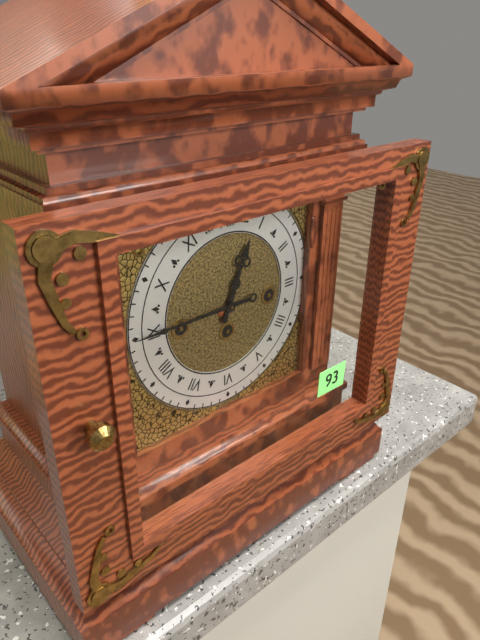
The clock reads 12:45
